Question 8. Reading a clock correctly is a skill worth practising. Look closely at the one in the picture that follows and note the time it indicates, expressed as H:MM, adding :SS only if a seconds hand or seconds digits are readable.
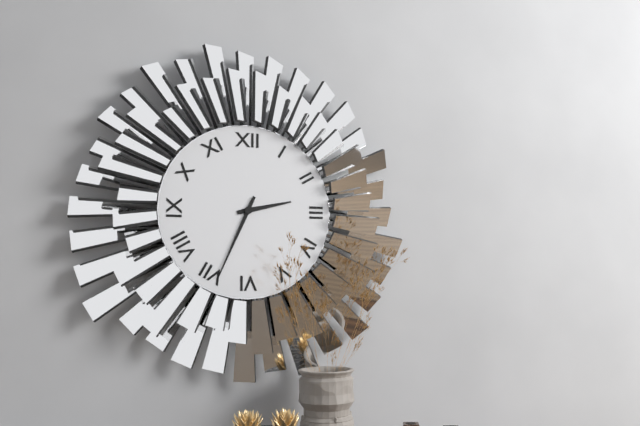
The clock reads 2:34
